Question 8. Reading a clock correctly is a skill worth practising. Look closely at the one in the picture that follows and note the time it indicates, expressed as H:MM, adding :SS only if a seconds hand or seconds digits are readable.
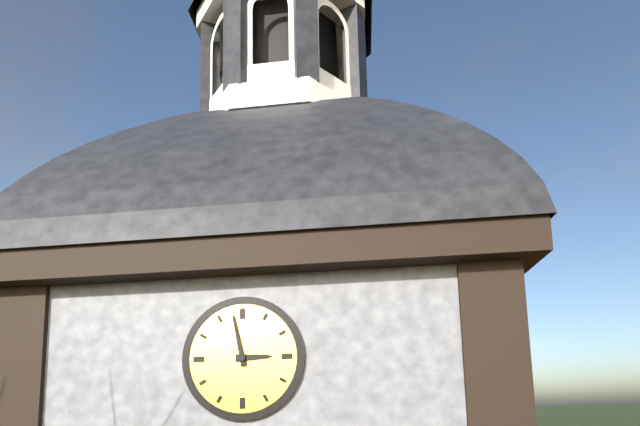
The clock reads 2:58
